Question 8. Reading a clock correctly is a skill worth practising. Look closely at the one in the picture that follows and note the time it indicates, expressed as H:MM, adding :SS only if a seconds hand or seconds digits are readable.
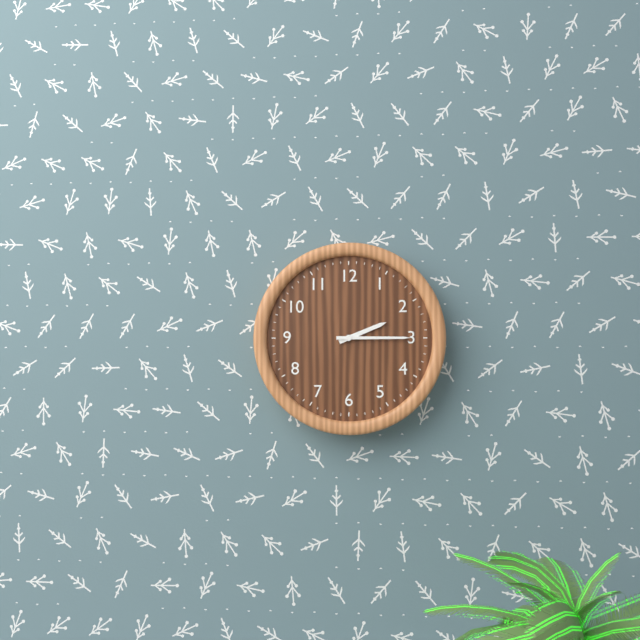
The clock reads 2:15
